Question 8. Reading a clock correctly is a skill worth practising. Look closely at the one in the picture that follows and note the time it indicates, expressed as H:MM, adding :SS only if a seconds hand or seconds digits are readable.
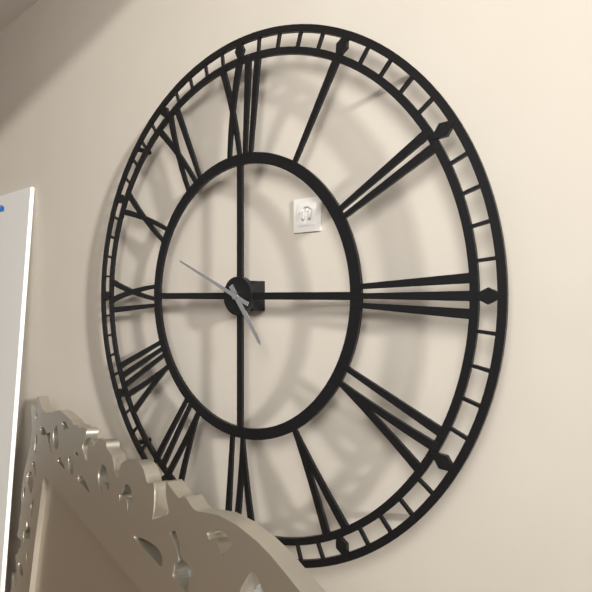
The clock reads 4:49
